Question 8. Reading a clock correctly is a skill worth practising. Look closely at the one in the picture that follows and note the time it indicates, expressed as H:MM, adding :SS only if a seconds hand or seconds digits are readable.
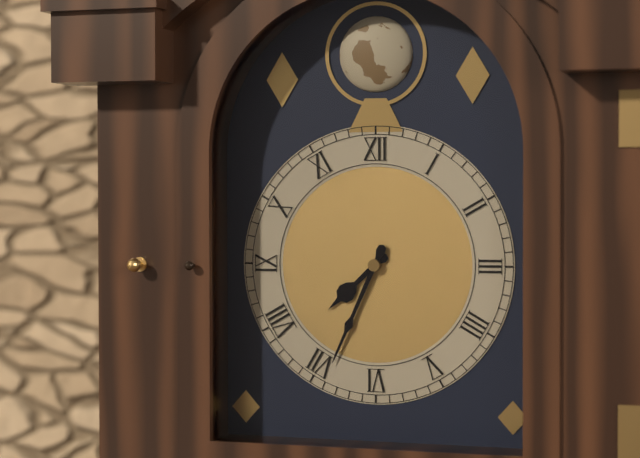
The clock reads 7:34
